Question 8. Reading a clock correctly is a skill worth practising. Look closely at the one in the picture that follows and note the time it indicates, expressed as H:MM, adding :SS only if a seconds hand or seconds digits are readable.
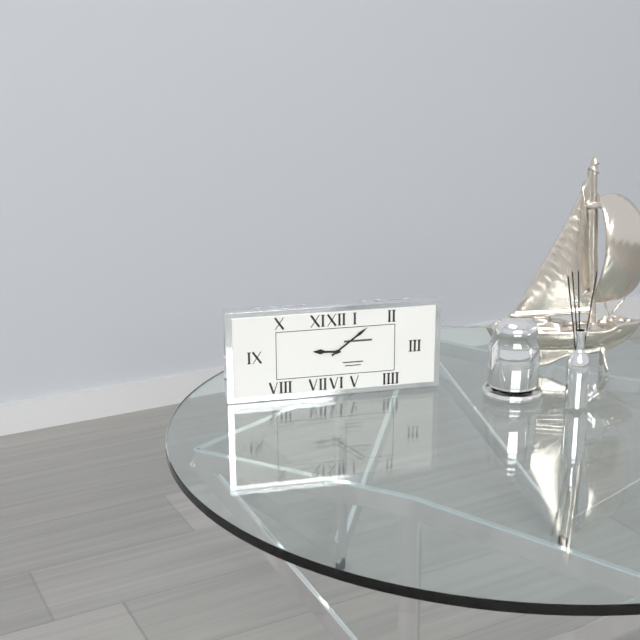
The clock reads 9:09
